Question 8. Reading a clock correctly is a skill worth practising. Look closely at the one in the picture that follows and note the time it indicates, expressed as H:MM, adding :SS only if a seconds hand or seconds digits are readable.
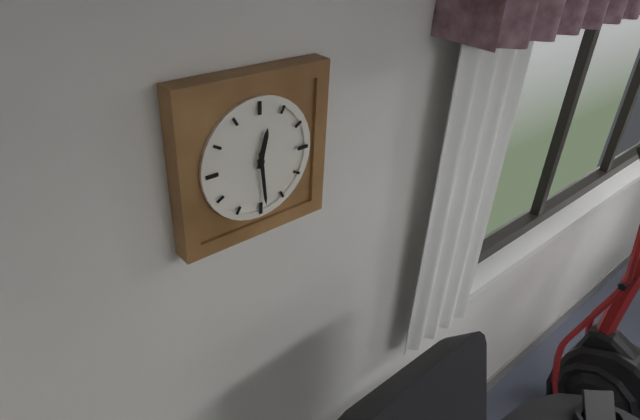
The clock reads 12:29
